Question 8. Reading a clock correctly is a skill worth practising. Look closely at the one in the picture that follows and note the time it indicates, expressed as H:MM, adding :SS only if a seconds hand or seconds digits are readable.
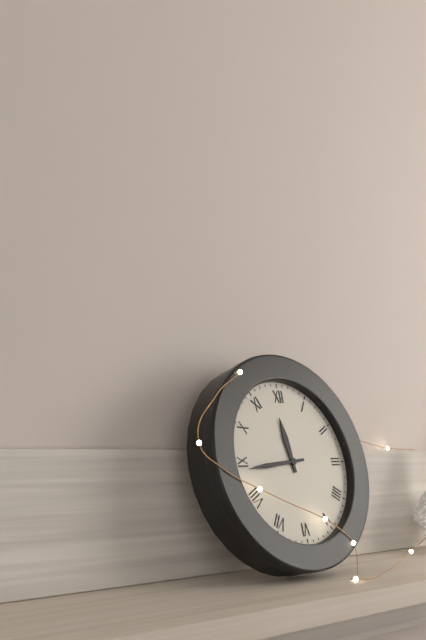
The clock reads 11:44
